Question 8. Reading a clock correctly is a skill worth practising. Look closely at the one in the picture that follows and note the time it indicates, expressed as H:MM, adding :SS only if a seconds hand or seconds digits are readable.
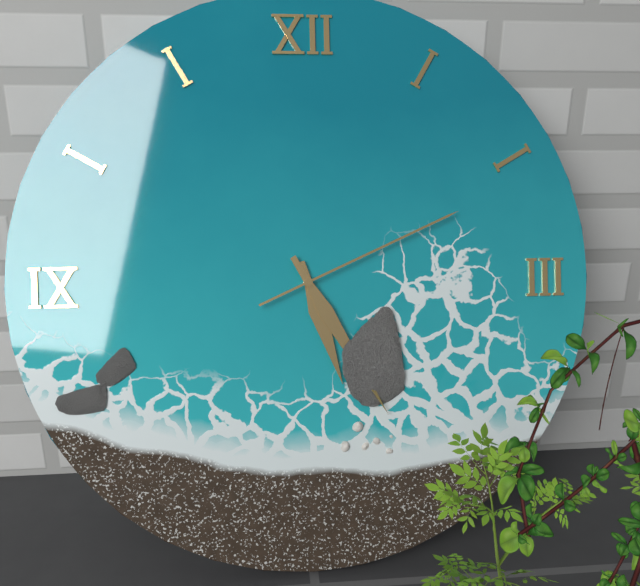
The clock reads 5:25:11
